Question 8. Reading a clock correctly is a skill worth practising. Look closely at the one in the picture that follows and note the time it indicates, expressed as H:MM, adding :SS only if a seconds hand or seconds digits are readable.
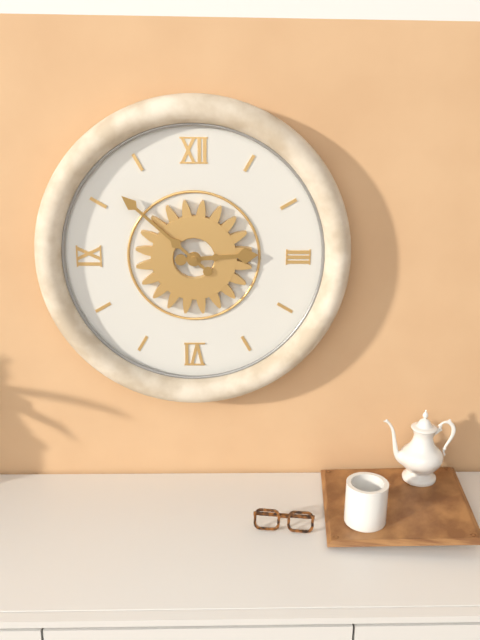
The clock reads 2:52
